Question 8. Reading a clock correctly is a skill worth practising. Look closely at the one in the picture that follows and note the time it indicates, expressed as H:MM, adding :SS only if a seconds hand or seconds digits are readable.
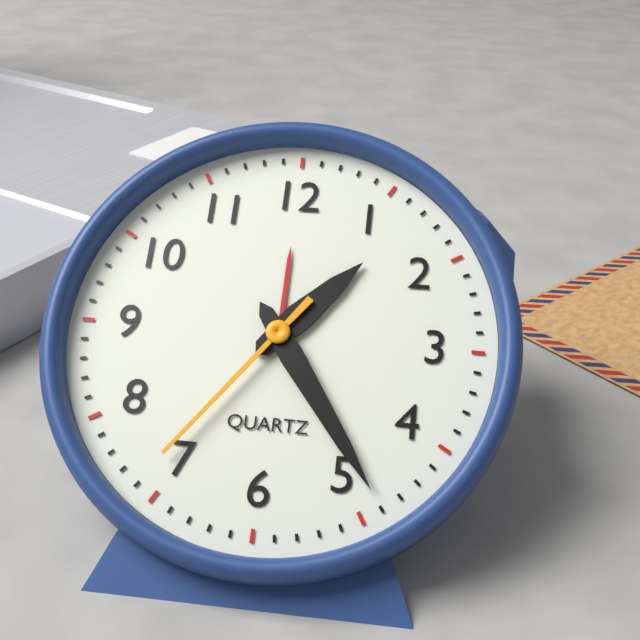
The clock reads 1:24:36
